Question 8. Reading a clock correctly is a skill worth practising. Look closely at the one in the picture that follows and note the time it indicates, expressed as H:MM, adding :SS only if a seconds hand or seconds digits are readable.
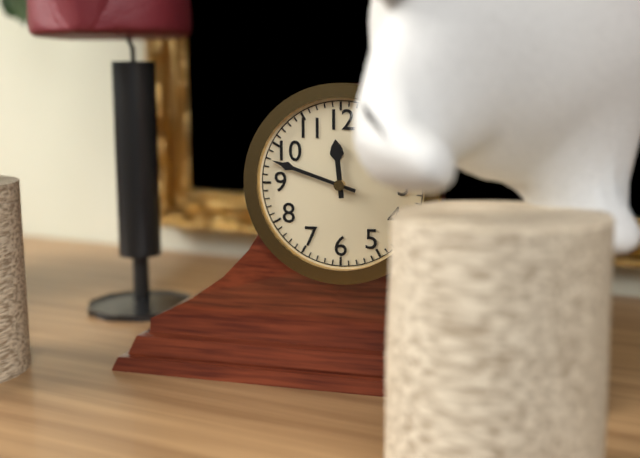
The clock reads 11:48
